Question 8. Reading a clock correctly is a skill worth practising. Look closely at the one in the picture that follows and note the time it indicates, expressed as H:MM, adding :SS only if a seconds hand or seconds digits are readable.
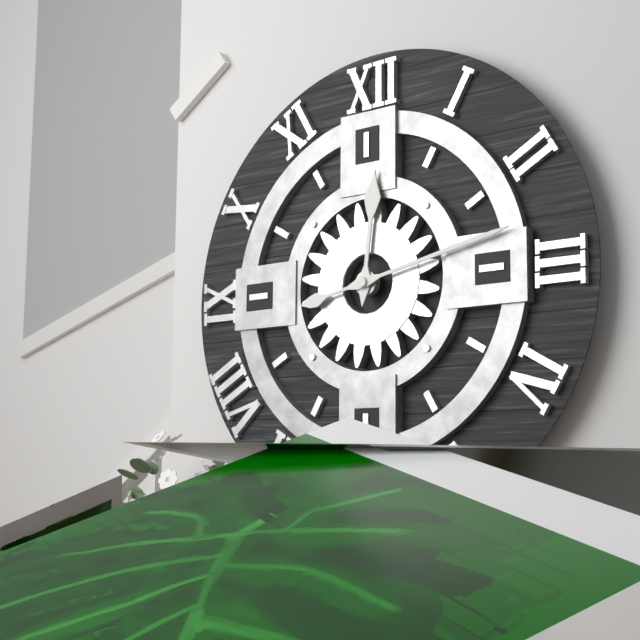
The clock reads 12:13
